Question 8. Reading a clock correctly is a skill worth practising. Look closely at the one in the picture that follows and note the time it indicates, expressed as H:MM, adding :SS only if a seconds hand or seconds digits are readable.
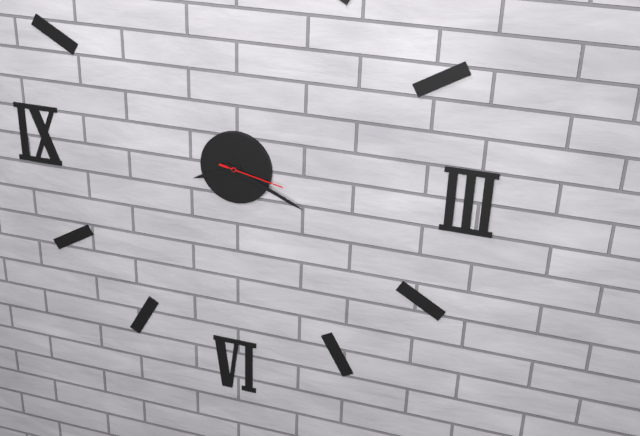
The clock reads 8:19:17
